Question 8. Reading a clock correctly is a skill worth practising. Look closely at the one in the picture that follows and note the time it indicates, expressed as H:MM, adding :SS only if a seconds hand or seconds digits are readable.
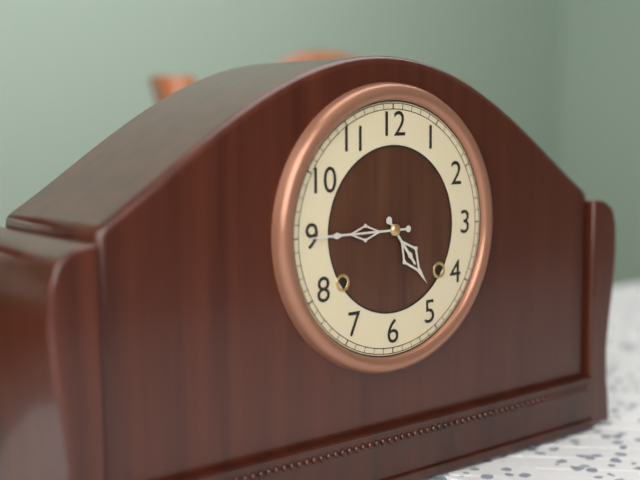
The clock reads 4:45
